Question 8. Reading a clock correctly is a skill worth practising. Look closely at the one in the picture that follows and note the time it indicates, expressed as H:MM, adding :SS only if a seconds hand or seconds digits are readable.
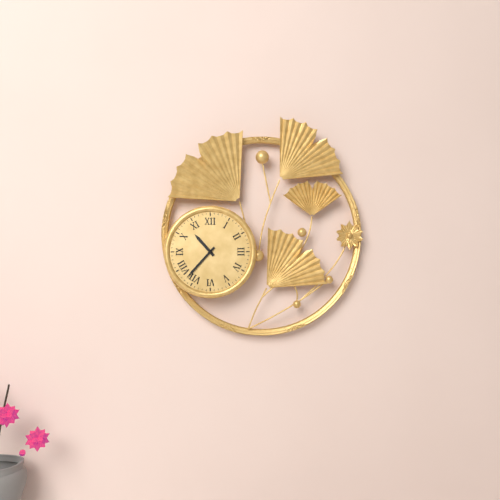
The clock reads 10:37
